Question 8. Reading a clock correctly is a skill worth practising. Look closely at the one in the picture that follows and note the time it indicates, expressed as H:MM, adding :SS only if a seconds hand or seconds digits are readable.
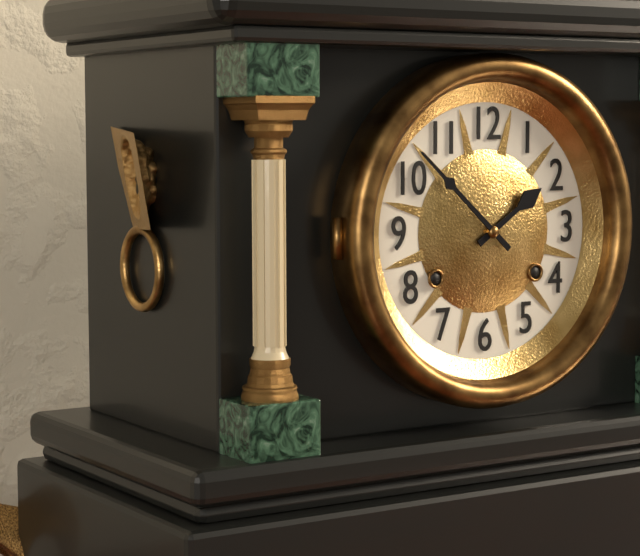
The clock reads 1:52
